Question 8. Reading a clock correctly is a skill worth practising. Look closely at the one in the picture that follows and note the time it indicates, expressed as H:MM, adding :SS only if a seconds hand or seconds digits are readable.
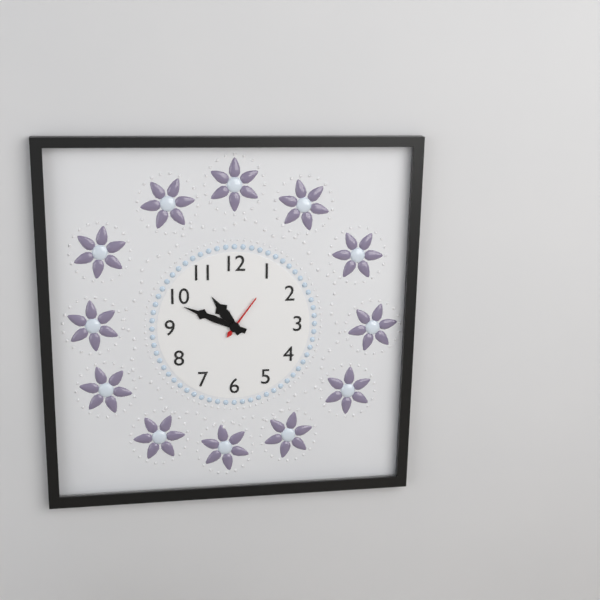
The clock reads 10:49
